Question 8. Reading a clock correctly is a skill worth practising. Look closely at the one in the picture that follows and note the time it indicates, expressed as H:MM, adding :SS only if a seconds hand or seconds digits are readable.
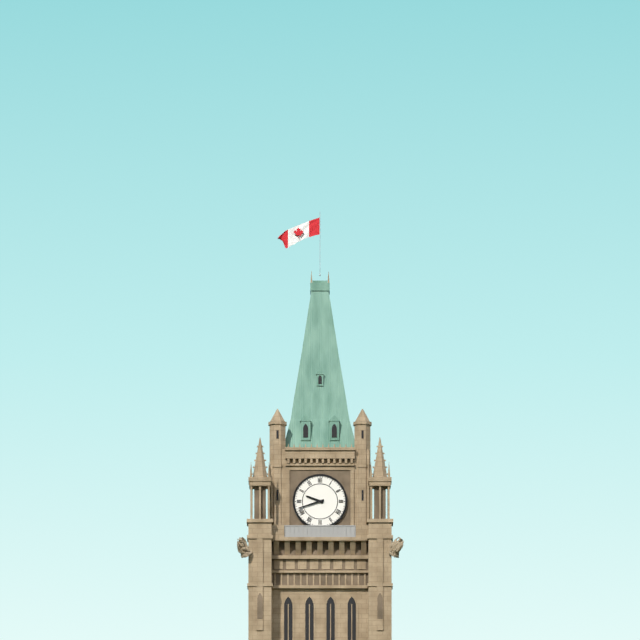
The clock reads 9:42
